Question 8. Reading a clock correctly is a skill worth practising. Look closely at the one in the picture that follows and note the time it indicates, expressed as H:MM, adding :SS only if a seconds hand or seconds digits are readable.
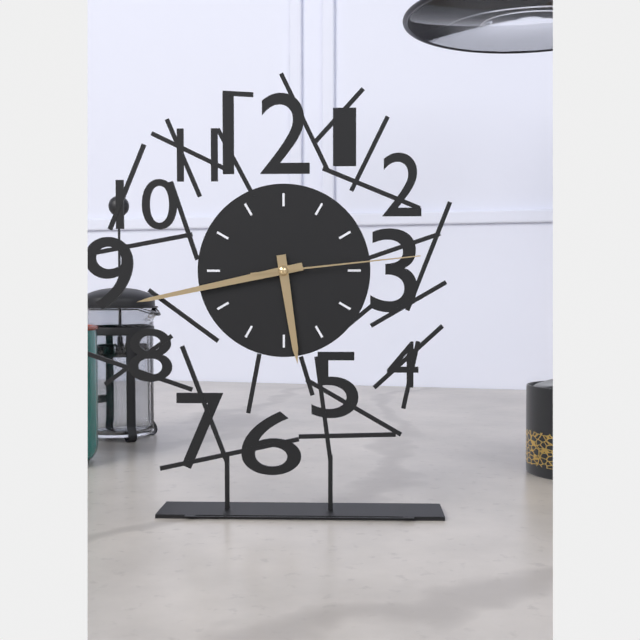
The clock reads 5:43:14
